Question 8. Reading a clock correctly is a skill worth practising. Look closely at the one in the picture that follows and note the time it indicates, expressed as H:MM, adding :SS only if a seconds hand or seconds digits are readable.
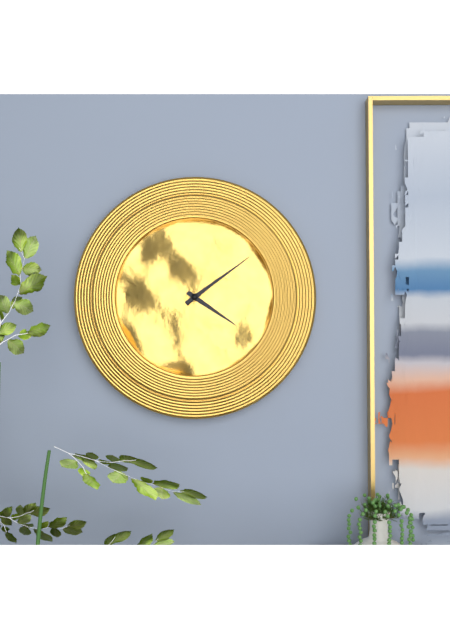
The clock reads 4:09
